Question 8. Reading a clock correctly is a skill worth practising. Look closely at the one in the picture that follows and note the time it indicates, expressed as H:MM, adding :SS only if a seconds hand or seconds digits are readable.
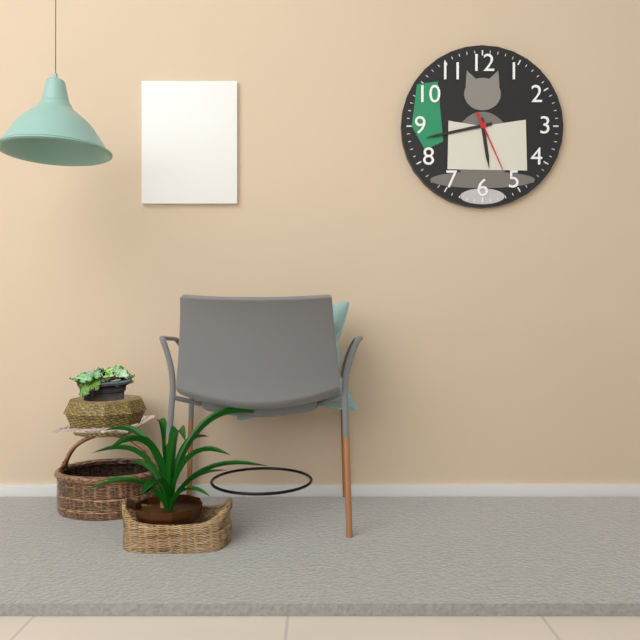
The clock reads 5:43:26
